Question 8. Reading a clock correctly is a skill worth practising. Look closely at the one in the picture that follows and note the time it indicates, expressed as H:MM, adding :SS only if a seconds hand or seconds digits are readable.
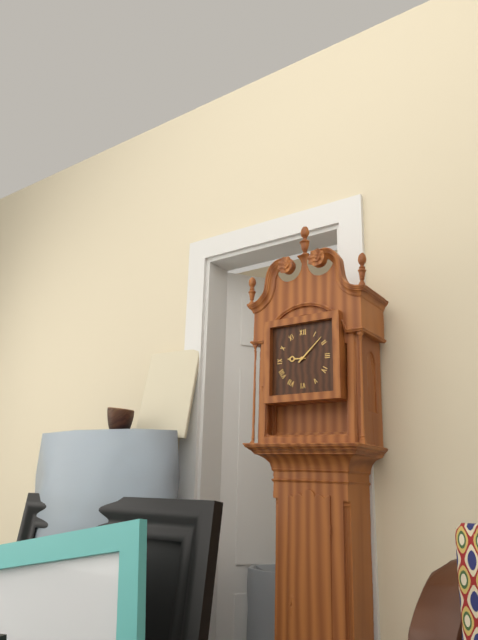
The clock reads 9:08
